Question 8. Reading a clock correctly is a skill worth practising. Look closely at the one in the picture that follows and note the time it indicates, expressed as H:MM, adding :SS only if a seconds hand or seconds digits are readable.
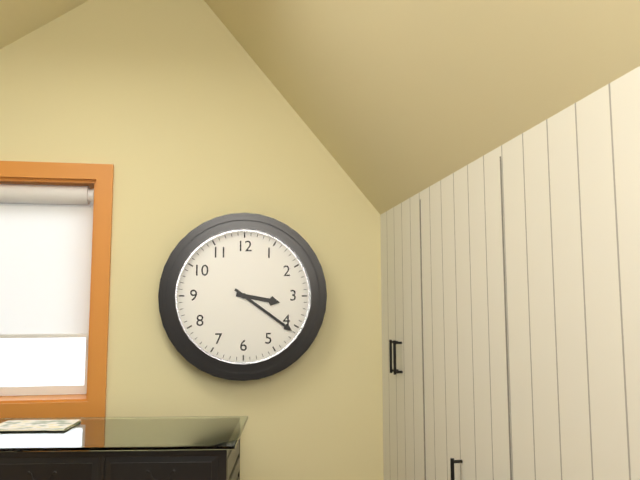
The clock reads 3:21
